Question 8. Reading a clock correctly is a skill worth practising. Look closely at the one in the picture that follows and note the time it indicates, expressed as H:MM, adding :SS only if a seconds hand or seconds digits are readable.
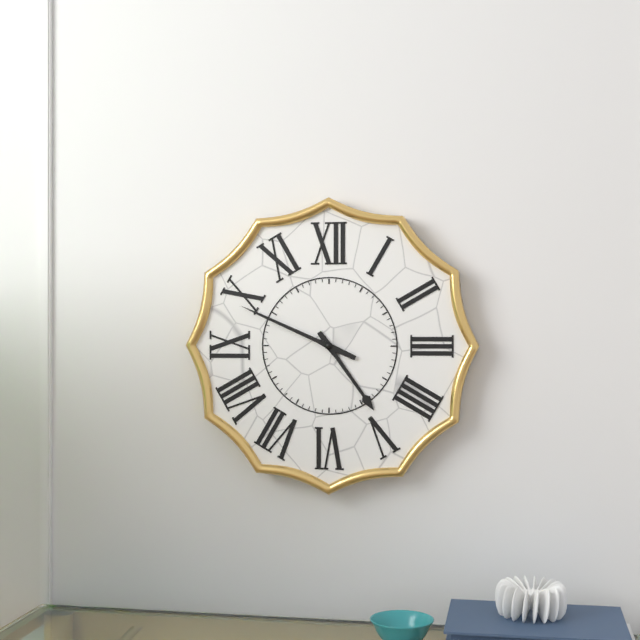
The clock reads 4:49
